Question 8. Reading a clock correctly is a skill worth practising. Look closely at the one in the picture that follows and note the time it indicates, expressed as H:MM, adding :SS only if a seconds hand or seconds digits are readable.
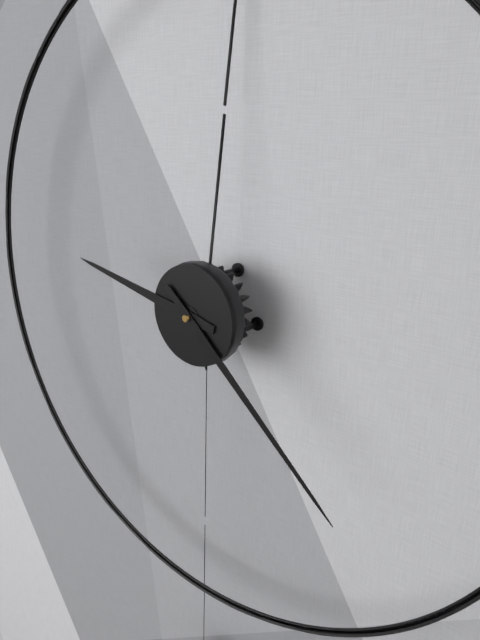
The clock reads 9:22
